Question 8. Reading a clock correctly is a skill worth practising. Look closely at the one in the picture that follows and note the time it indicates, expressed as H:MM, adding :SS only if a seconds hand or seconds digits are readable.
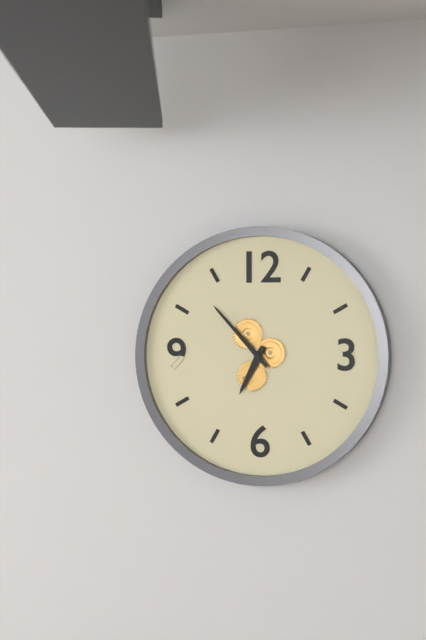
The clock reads 6:53
